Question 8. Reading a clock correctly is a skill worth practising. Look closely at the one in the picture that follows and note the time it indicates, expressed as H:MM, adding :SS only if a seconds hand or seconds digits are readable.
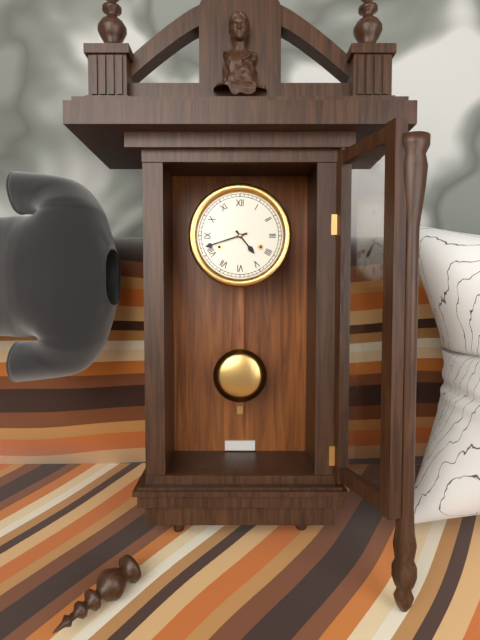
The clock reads 4:42
